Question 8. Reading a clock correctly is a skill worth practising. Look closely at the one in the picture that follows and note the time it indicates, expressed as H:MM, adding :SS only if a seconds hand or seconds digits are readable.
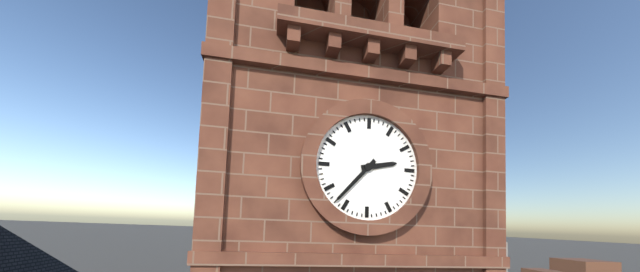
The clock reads 2:37
